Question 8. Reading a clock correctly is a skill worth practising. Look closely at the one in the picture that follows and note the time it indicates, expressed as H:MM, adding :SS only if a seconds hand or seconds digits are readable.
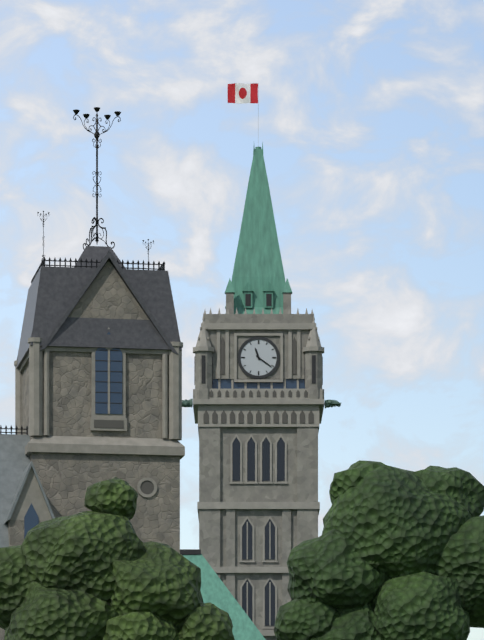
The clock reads 11:21
